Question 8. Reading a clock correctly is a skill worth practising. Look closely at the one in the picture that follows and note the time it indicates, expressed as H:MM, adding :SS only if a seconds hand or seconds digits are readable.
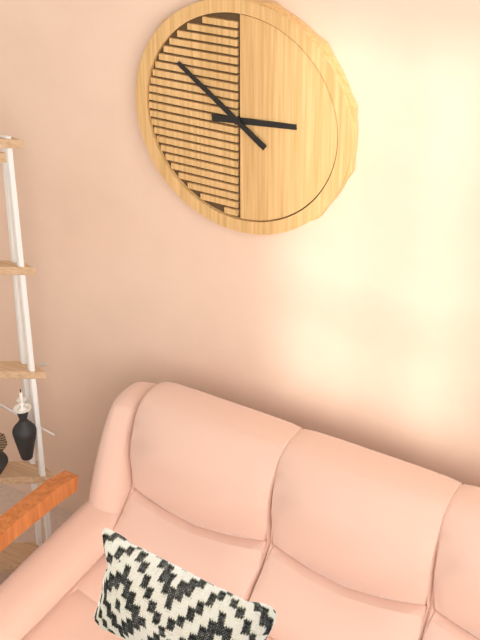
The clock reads 2:51
